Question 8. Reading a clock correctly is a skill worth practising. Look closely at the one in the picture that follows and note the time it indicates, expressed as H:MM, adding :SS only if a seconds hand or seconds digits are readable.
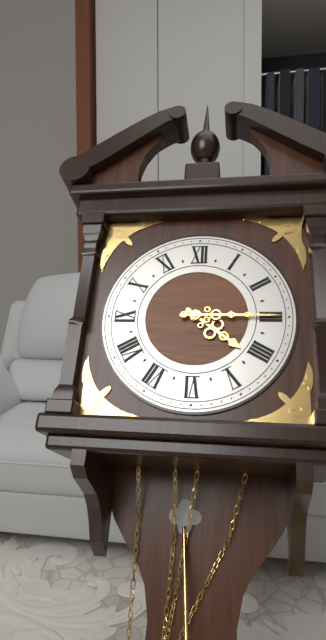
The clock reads 4:15
